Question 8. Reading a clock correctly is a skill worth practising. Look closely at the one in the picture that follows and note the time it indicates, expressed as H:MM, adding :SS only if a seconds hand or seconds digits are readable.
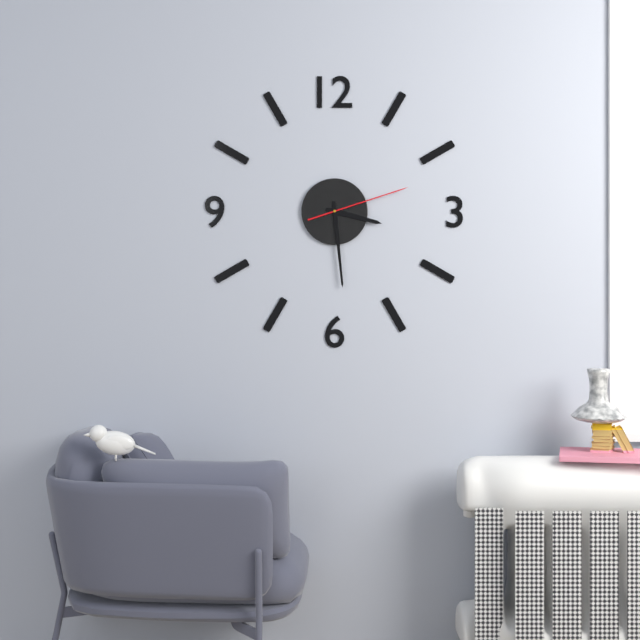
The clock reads 3:29:12
